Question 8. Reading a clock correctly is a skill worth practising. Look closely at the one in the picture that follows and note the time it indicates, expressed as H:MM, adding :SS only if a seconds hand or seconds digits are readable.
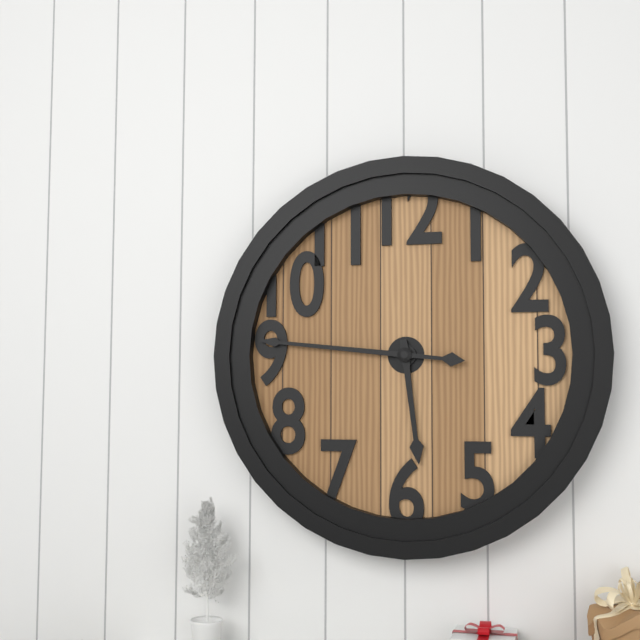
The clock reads 5:46
